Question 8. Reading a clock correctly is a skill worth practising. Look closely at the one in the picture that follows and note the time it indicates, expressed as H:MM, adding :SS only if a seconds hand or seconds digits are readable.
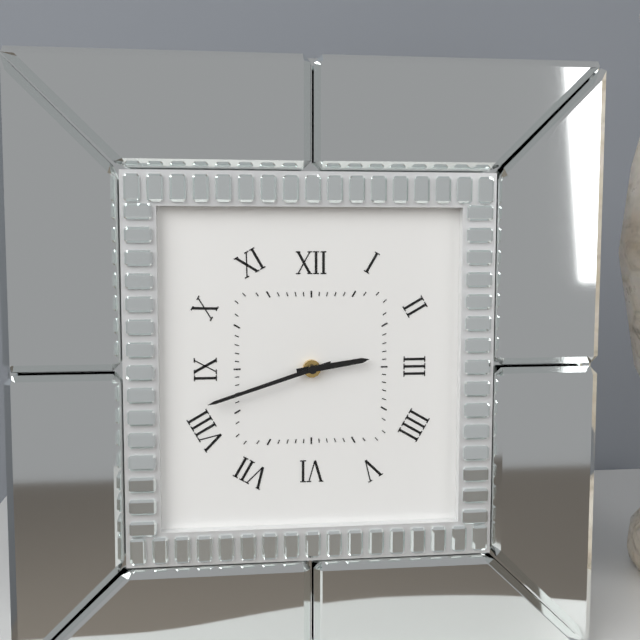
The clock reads 2:42
